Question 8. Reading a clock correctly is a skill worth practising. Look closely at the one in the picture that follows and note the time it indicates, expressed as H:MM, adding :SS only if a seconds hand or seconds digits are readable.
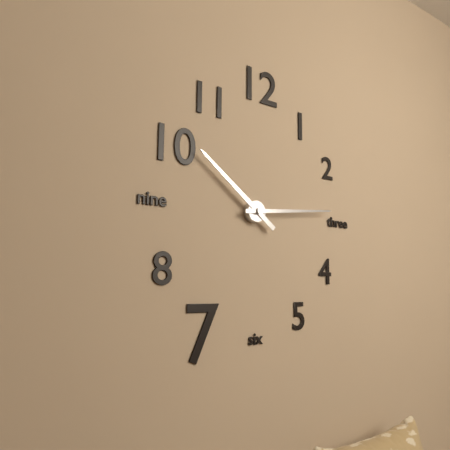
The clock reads 10:14
